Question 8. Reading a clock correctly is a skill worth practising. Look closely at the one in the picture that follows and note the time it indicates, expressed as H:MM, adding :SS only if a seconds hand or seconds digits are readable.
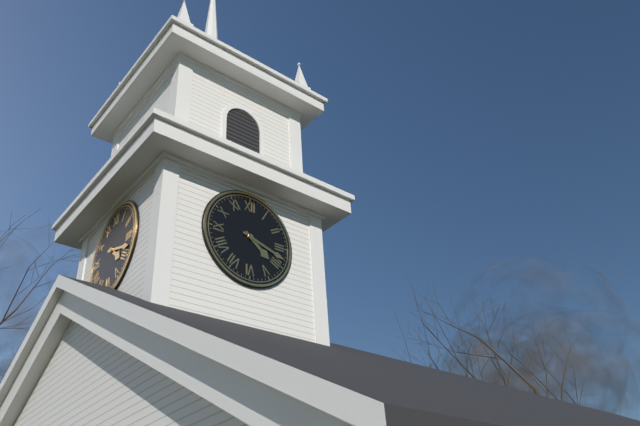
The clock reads 4:18
